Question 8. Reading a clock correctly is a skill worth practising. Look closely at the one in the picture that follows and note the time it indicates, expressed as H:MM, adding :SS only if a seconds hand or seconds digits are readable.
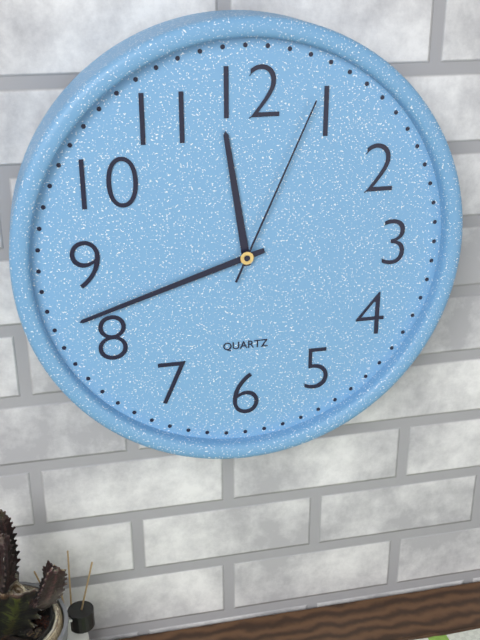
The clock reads 11:42:04
